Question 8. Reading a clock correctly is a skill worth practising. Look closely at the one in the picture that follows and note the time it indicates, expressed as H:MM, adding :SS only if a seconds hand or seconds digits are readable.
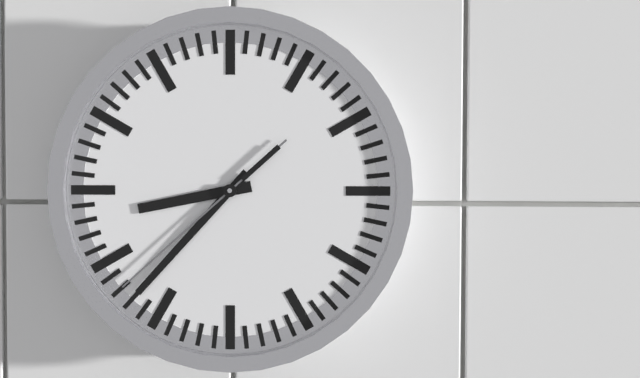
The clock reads 8:37:38
